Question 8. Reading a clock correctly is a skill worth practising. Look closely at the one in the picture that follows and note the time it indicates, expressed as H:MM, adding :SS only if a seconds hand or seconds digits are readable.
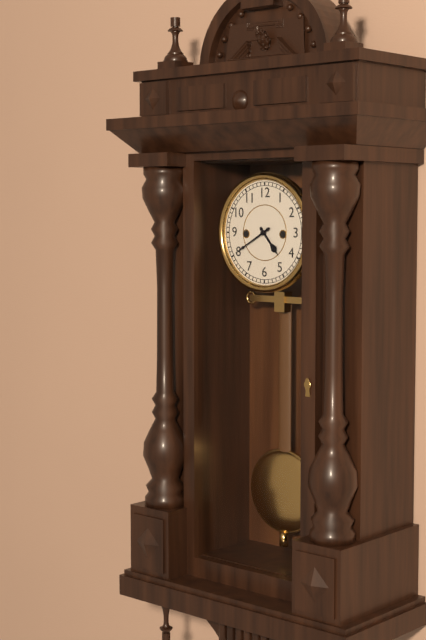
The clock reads 4:40
